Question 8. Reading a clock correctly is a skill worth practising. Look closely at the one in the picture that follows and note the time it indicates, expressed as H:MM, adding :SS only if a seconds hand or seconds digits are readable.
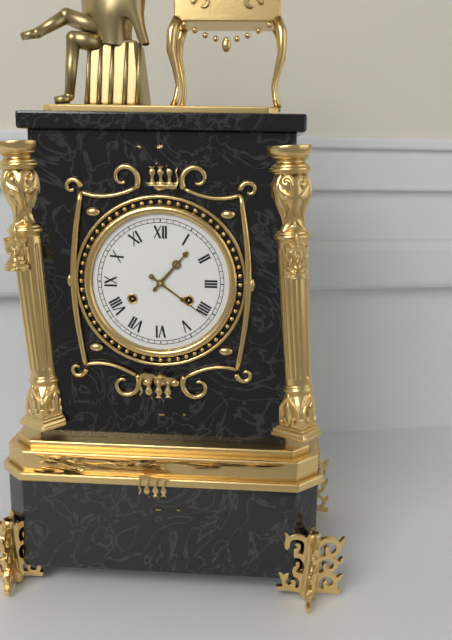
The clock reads 1:21
